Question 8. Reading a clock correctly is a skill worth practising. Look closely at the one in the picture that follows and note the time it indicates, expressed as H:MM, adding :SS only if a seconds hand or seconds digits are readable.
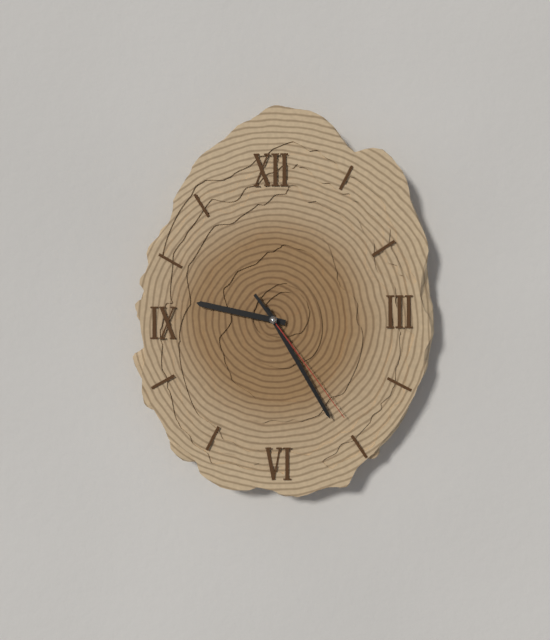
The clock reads 9:25:24
